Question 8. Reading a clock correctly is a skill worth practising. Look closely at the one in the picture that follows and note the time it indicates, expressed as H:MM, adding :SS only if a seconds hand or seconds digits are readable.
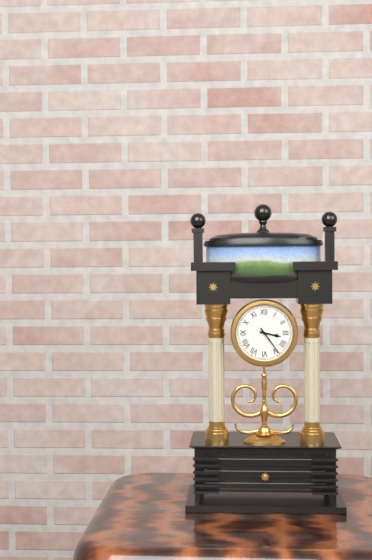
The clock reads 3:24
